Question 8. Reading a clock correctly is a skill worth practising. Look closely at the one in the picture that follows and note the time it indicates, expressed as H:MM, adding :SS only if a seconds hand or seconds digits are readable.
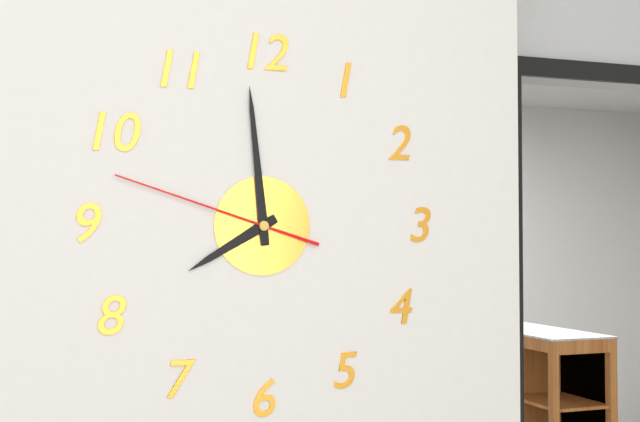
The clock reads 7:59:48
